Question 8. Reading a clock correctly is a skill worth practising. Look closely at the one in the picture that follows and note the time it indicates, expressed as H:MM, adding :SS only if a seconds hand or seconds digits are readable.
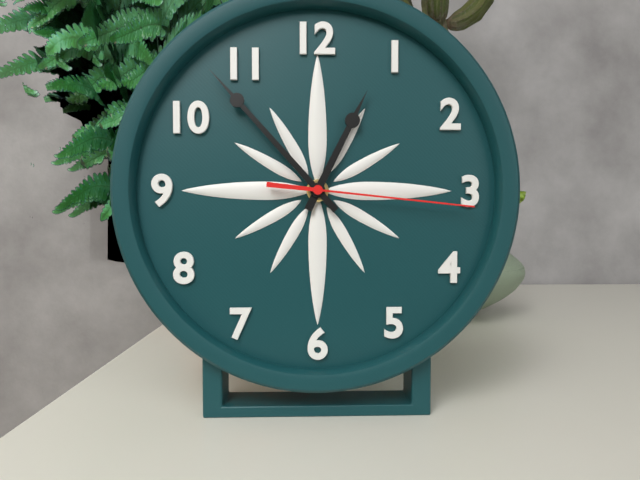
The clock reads 12:53:16
